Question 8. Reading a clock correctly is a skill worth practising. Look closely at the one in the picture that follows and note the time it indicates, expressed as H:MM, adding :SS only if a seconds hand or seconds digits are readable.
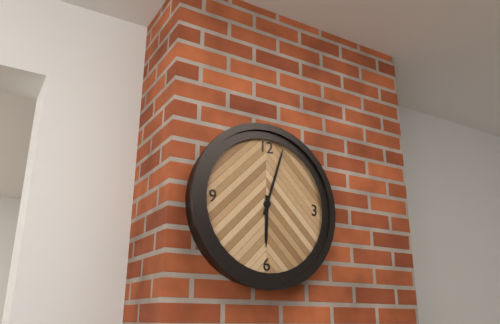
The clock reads 6:03
